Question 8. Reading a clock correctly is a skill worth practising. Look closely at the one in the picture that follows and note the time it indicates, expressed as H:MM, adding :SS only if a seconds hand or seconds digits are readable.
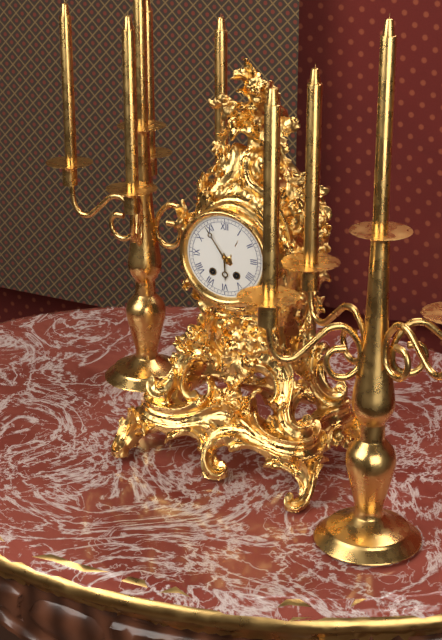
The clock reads 5:54
